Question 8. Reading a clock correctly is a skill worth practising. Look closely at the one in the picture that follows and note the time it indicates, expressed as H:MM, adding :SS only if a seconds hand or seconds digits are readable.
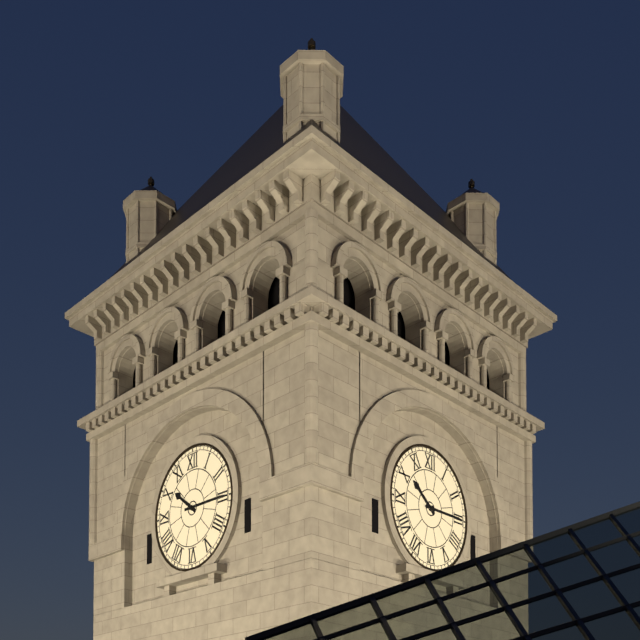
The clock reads 10:15
